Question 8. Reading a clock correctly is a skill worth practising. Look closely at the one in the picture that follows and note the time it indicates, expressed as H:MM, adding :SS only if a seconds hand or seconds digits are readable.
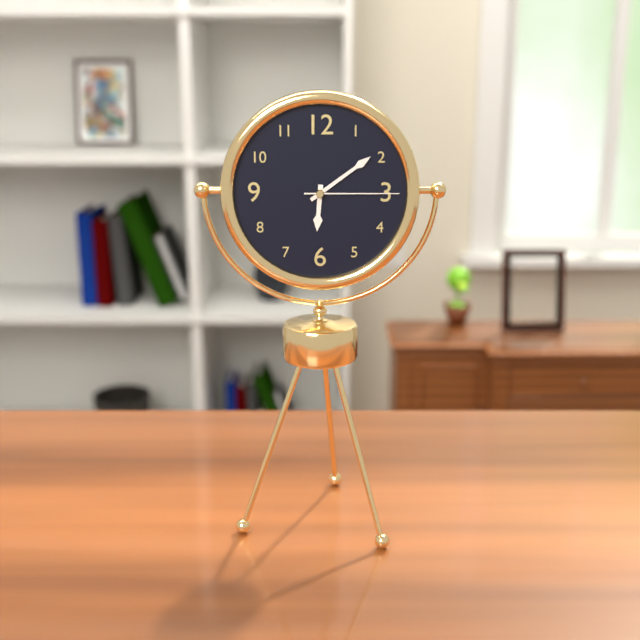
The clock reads 6:09:15
